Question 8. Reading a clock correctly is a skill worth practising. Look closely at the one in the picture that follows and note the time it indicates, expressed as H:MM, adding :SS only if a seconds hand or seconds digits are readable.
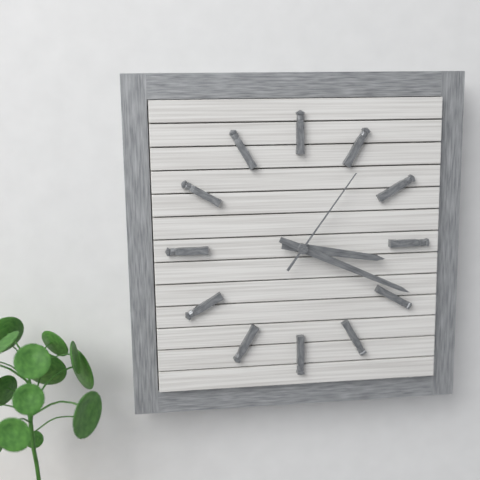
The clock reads 3:19:06
